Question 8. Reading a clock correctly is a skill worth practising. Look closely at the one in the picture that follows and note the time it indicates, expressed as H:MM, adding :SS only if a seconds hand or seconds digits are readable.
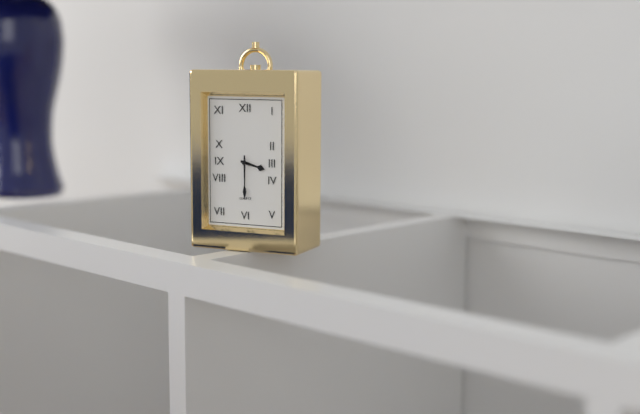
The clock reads 3:30
